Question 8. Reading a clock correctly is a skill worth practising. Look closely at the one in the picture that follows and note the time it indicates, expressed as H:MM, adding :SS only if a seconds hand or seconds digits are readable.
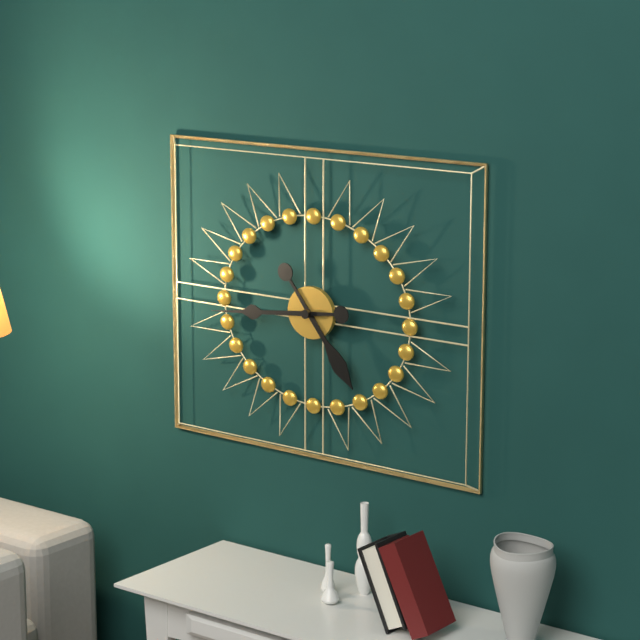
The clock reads 4:44
